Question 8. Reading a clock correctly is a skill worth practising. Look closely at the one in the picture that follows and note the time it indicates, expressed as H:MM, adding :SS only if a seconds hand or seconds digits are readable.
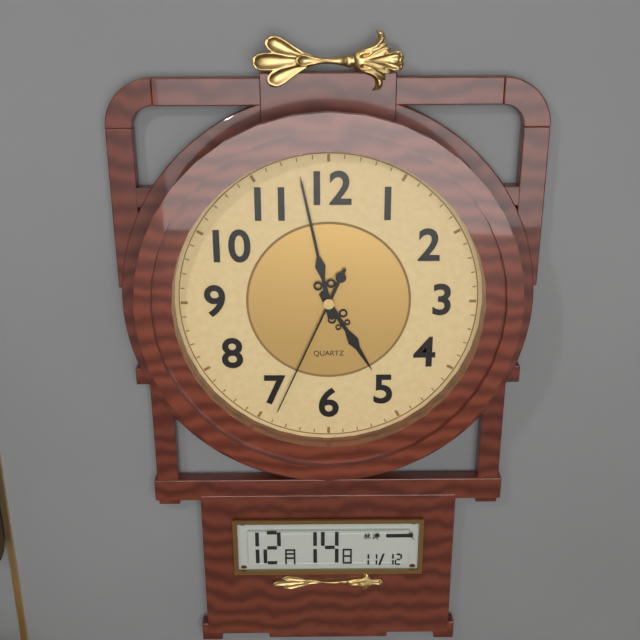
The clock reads 4:58:34
